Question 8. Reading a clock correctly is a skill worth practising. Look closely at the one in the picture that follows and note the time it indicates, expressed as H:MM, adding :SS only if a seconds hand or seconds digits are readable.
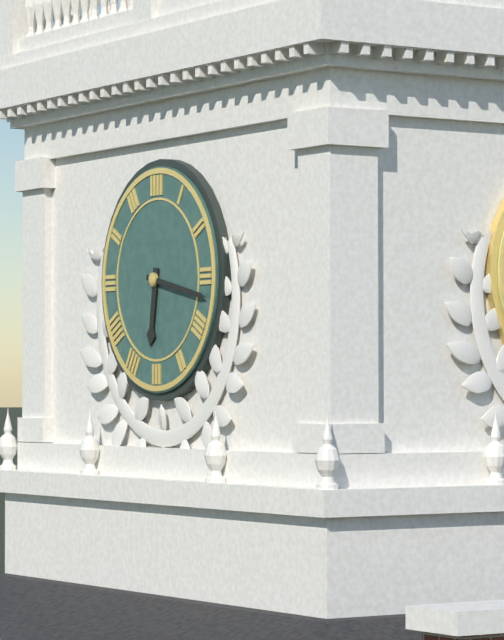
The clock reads 6:17
